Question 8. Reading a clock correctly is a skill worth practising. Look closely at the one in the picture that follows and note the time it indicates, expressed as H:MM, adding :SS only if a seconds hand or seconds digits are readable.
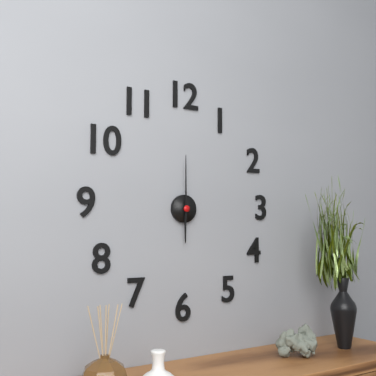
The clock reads 6:00
